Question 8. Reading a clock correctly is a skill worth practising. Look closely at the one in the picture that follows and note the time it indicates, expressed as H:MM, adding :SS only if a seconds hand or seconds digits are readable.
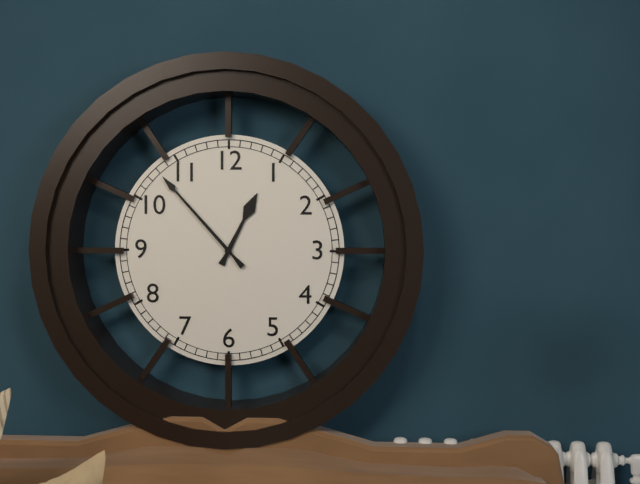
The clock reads 12:53
